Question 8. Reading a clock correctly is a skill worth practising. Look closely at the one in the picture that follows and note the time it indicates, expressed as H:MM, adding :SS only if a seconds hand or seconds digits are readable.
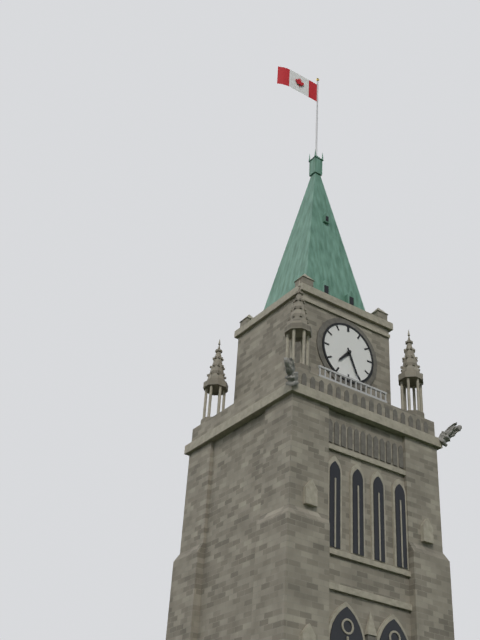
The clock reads 7:26
